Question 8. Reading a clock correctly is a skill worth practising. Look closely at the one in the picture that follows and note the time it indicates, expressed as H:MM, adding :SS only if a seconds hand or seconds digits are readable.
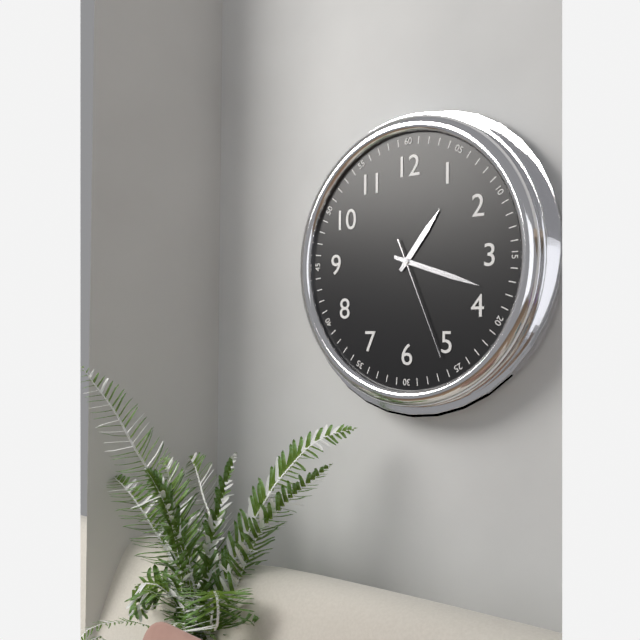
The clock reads 1:18:26
